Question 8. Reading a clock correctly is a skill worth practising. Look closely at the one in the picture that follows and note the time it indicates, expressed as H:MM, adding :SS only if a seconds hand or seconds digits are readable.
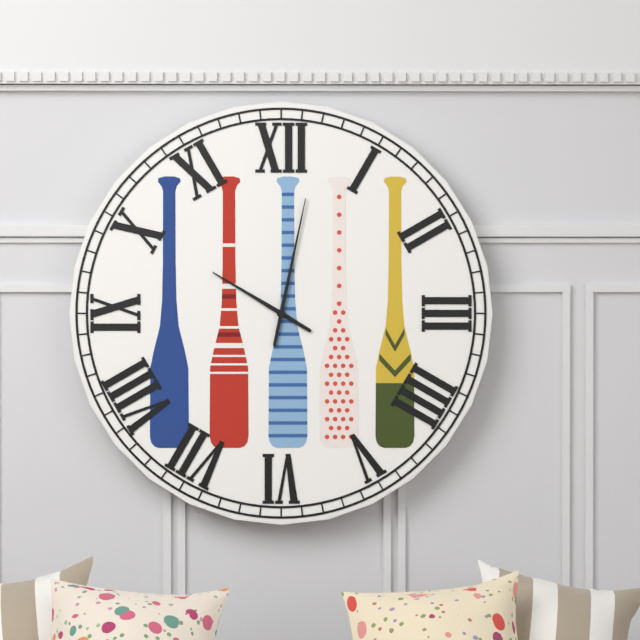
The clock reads 10:02
